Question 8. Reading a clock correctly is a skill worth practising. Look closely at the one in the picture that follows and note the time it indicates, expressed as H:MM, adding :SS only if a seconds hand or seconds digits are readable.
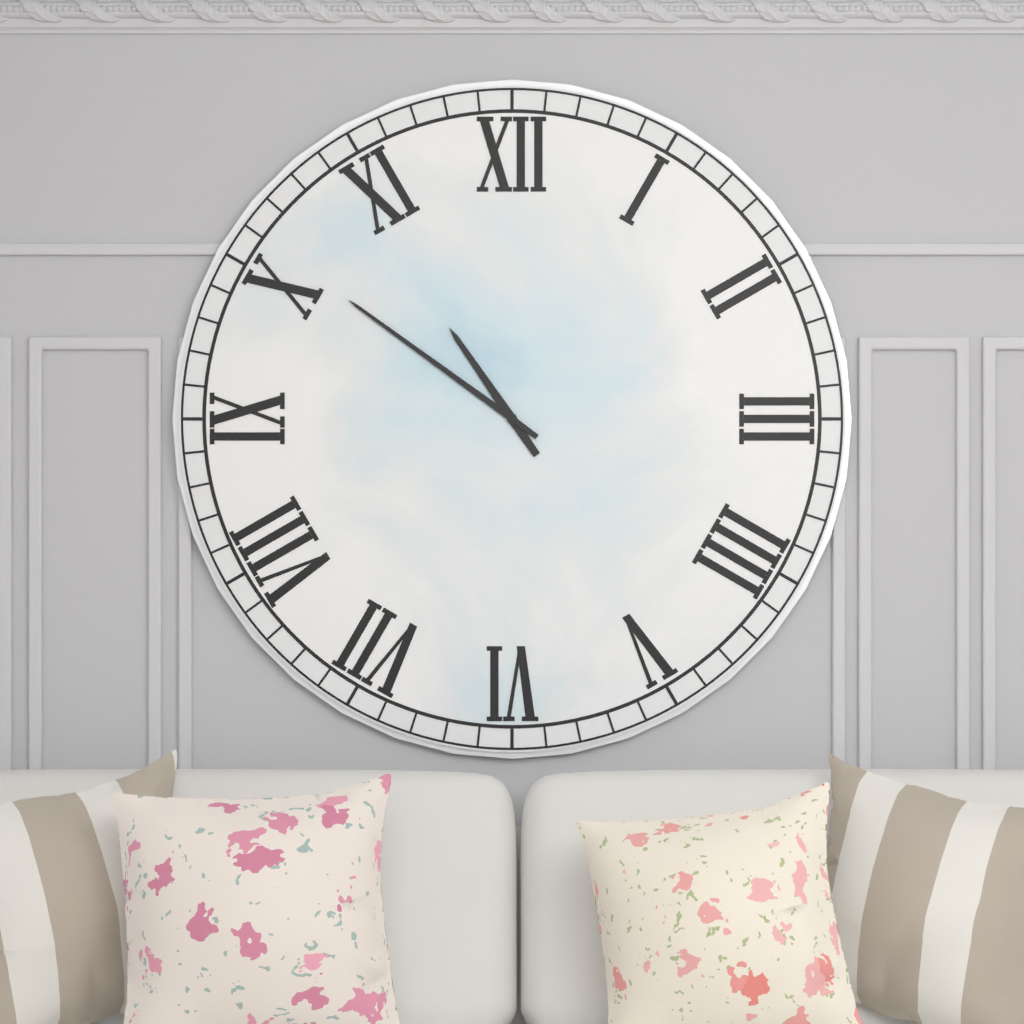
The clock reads 10:51
